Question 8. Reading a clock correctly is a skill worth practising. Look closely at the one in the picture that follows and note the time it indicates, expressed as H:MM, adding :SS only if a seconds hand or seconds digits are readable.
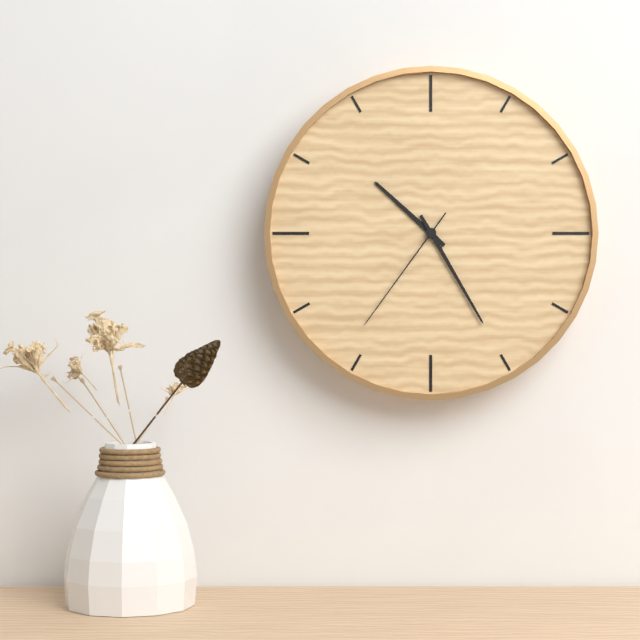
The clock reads 10:25:36
